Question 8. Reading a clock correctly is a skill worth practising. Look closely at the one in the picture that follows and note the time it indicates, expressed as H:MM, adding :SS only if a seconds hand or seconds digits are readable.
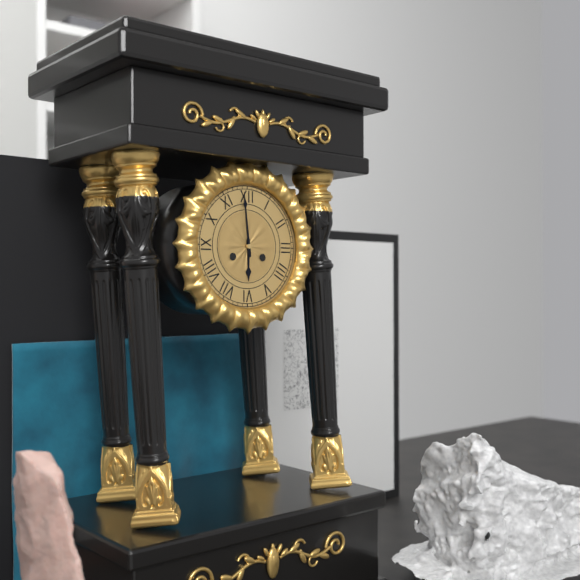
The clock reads 5:59
